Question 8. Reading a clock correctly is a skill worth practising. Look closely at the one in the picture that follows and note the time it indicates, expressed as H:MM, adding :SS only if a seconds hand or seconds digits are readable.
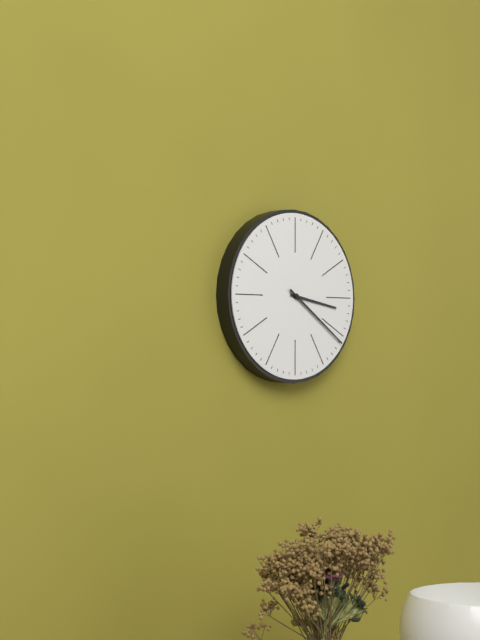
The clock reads 3:21
